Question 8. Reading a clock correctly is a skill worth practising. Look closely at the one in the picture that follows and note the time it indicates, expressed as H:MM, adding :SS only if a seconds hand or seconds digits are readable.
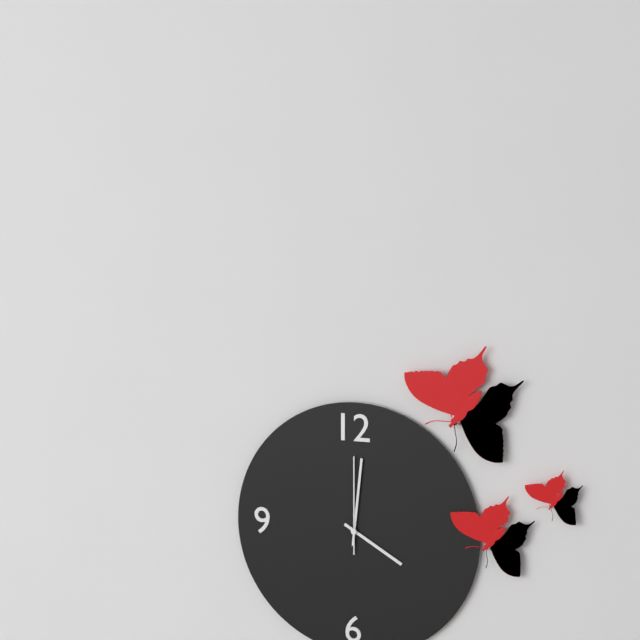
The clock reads 4:01:00
